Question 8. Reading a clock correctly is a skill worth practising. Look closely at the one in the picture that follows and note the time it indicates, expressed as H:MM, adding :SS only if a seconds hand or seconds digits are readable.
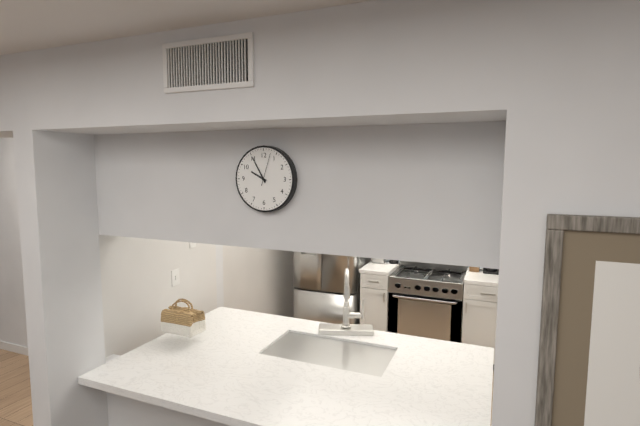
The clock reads 9:55
